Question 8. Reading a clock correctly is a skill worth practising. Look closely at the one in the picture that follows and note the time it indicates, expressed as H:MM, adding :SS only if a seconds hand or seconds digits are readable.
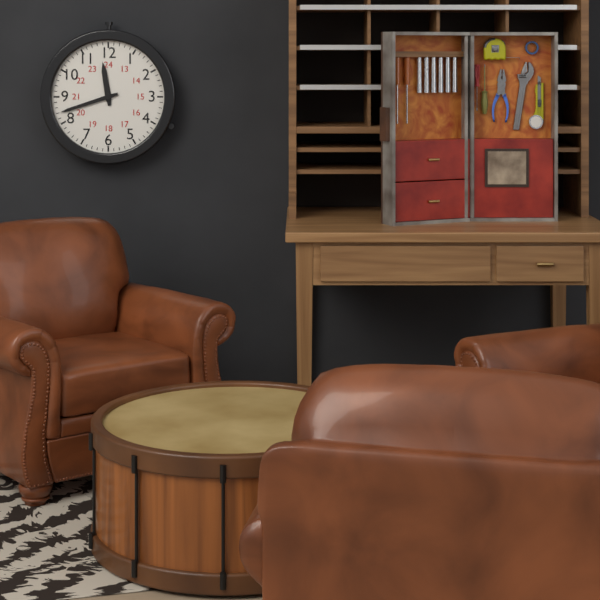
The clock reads 11:42
